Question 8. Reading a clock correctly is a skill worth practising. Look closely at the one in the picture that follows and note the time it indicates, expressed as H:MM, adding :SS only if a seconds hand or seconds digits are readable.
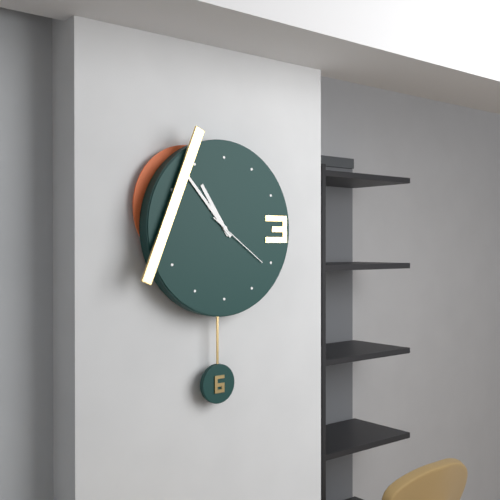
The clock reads 10:53:21
